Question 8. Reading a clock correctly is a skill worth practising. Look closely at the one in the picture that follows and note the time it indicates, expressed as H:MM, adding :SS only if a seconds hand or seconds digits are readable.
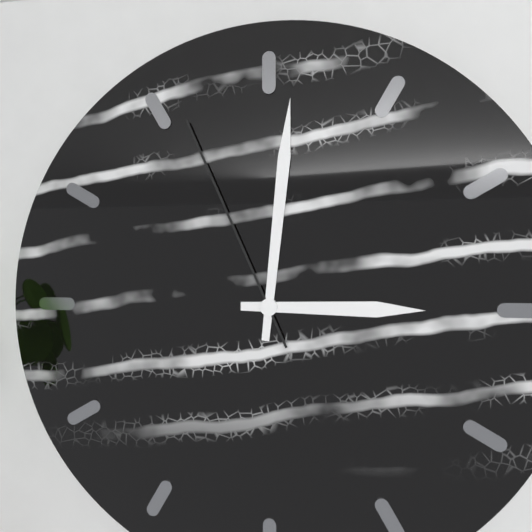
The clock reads 3:01:56
